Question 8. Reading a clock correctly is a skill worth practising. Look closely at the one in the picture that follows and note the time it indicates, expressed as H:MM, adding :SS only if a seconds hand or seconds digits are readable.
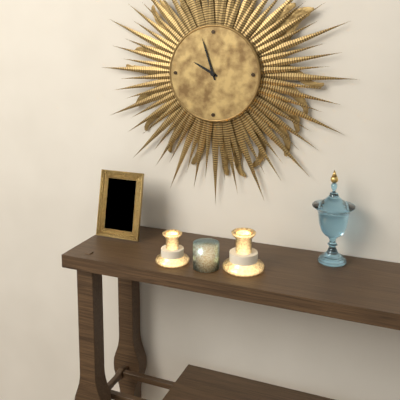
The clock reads 9:57
